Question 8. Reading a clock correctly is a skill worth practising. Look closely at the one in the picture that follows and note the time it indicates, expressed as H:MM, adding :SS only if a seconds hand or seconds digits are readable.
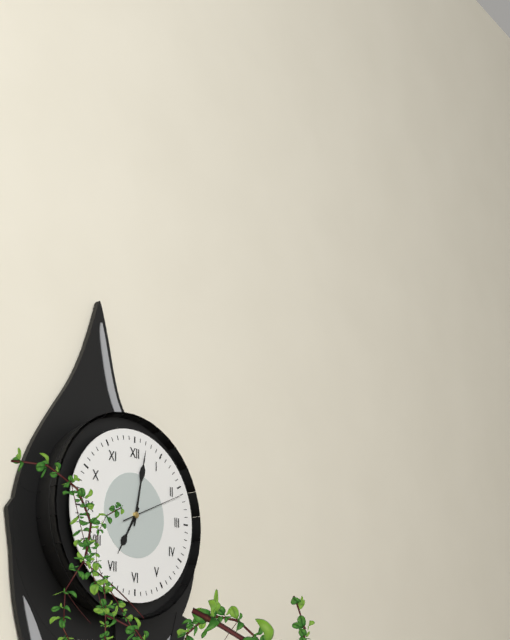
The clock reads 7:02:11
